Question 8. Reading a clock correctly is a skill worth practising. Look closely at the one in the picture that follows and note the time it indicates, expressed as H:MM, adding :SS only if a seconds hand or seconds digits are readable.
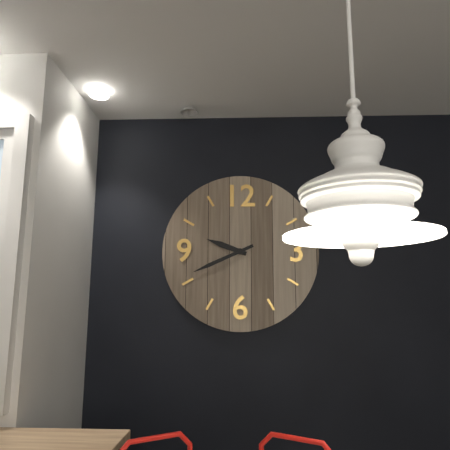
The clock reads 9:41
